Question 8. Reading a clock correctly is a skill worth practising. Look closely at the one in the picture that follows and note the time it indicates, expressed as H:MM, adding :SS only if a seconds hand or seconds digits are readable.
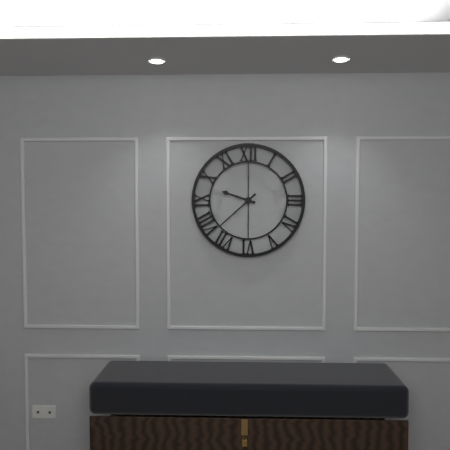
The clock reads 9:38
